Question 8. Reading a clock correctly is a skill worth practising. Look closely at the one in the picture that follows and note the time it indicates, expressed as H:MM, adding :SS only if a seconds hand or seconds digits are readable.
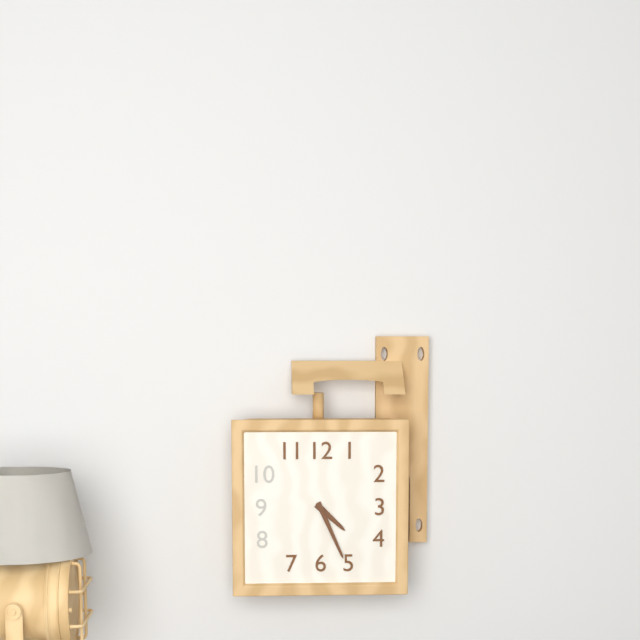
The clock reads 4:26
